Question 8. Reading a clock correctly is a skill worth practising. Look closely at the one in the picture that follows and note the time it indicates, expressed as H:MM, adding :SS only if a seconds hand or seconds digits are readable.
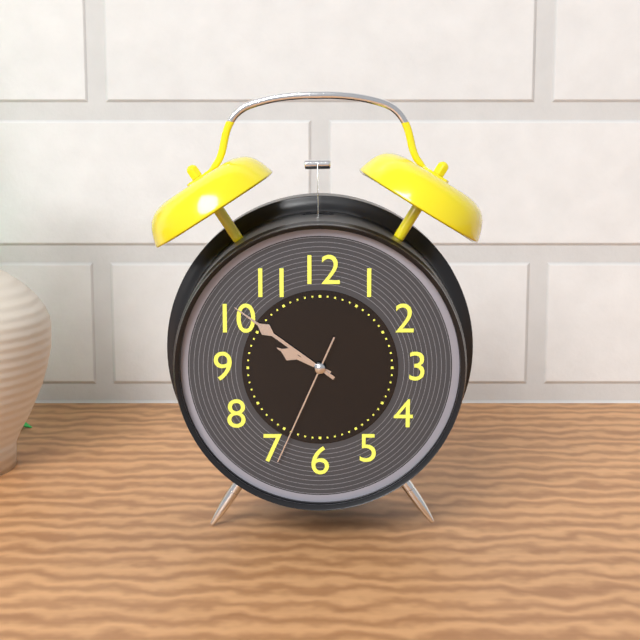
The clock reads 9:51:34
